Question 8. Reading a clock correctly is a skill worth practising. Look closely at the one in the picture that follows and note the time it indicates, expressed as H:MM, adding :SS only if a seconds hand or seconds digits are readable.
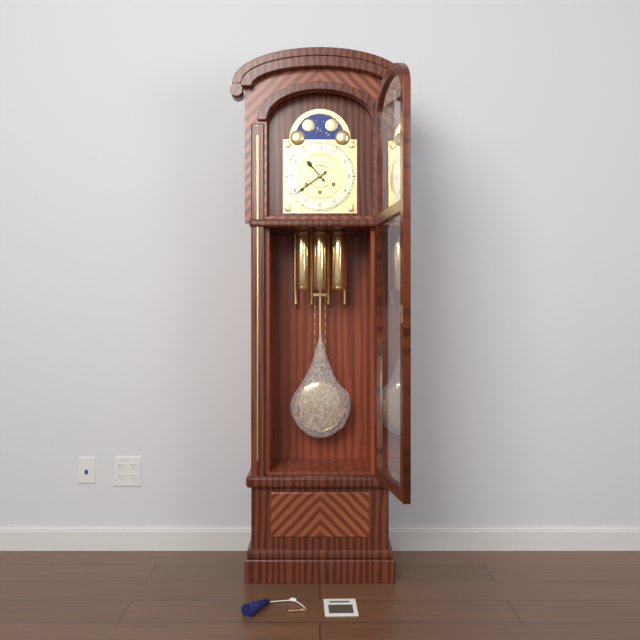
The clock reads 10:39
